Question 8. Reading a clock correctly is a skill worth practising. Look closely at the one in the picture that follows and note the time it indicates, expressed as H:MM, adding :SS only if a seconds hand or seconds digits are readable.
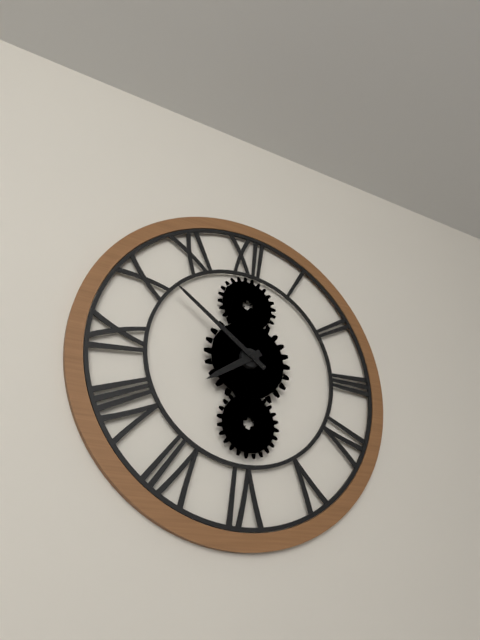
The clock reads 7:51
